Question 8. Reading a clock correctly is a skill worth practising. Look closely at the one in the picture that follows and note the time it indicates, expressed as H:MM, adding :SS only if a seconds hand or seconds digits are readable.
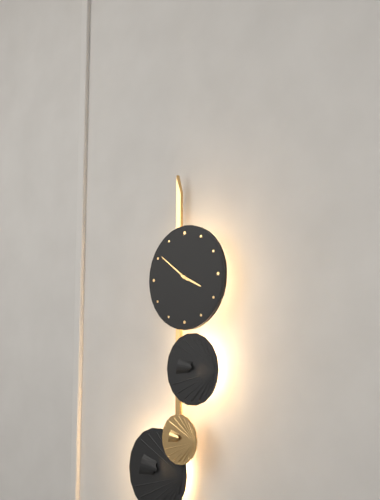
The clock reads 3:51
